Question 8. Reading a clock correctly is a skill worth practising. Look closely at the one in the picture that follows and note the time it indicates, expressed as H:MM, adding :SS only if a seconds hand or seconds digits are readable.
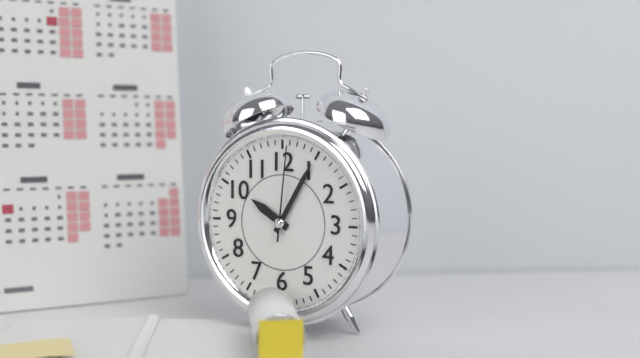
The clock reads 10:05:01
